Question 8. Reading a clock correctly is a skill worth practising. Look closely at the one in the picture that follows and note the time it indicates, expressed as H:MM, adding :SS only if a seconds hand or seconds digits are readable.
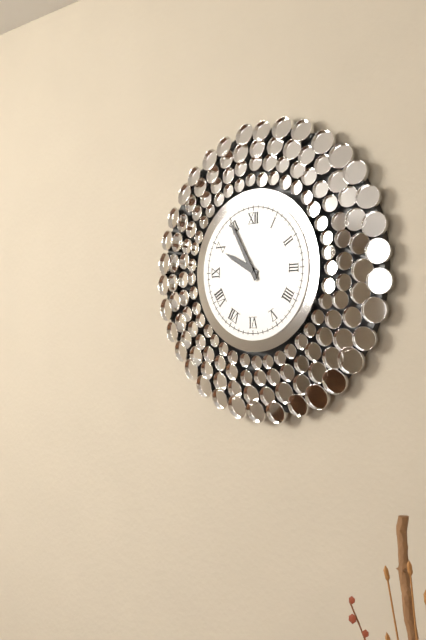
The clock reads 9:55
